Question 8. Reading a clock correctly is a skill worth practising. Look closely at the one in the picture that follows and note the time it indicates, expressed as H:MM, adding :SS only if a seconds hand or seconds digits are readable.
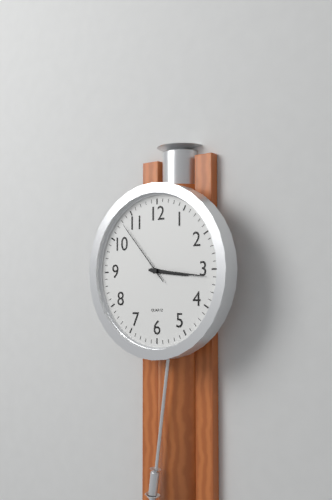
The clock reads 3:16:53
